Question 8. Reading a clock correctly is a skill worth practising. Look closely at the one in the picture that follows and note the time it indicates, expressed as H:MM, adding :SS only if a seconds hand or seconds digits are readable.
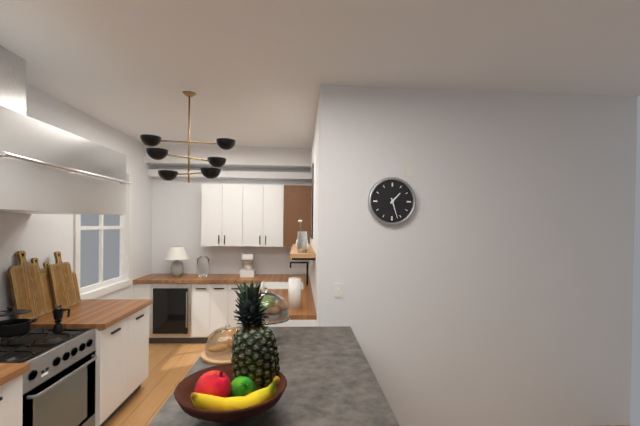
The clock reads 1:27
